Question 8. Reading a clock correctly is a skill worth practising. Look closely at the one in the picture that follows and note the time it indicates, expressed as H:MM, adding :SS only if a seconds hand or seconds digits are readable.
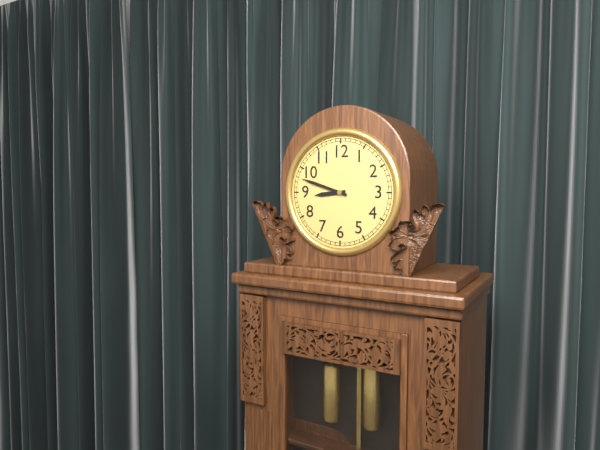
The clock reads 8:48
